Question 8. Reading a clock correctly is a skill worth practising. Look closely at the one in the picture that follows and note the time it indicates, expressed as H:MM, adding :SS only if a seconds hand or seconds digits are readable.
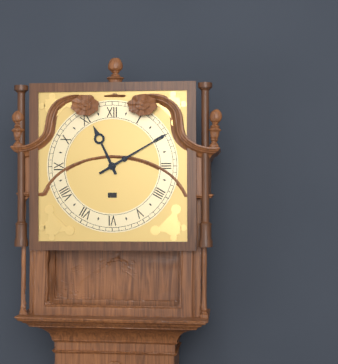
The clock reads 11:10
